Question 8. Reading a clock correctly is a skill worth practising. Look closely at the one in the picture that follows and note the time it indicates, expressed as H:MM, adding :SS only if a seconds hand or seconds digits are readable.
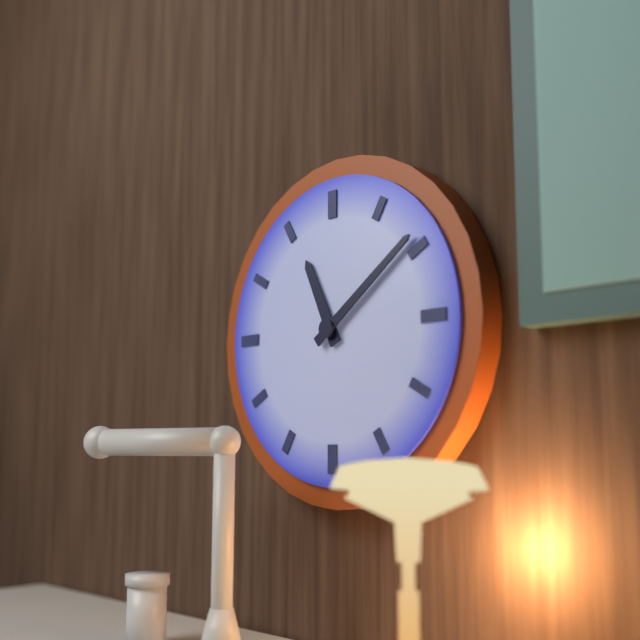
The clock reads 11:09
